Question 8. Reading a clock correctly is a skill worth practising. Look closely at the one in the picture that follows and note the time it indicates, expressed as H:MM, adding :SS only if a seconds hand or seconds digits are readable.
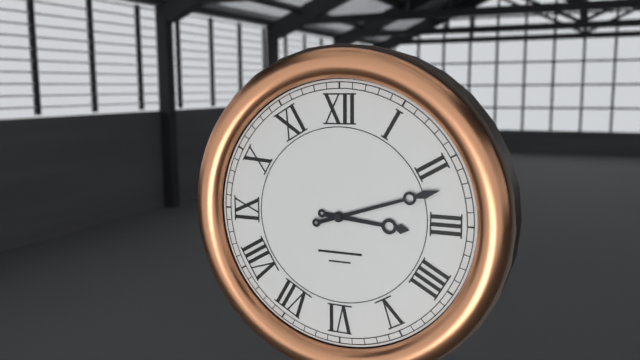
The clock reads 3:12
